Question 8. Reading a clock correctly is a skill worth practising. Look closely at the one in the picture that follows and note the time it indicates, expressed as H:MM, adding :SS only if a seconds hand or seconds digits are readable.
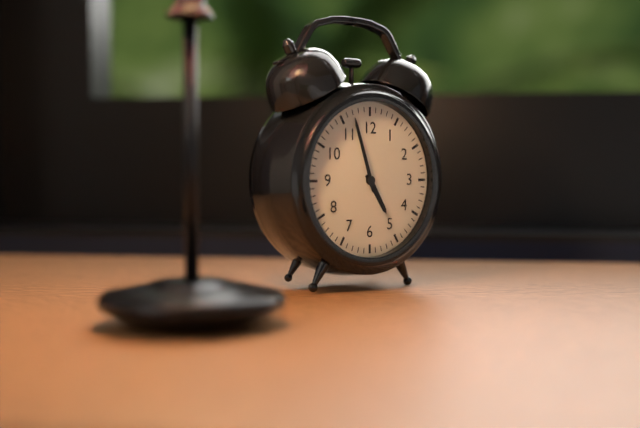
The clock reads 4:57
